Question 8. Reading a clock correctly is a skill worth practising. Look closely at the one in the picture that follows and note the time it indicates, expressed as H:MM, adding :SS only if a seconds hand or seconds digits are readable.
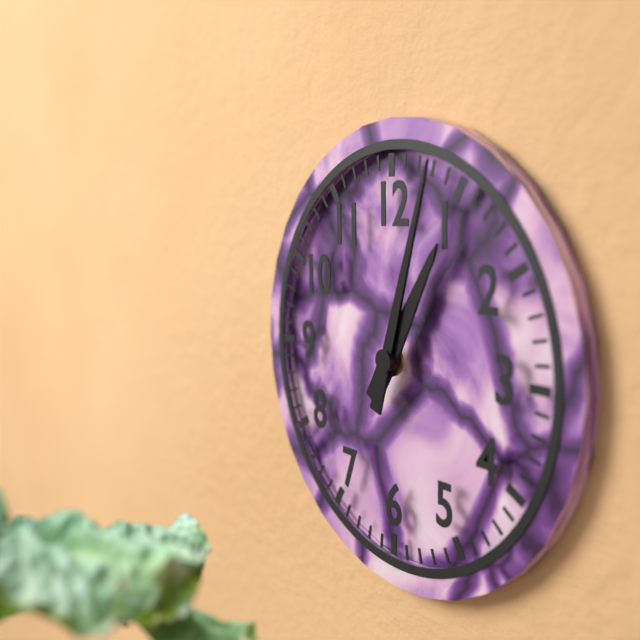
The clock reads 1:03
